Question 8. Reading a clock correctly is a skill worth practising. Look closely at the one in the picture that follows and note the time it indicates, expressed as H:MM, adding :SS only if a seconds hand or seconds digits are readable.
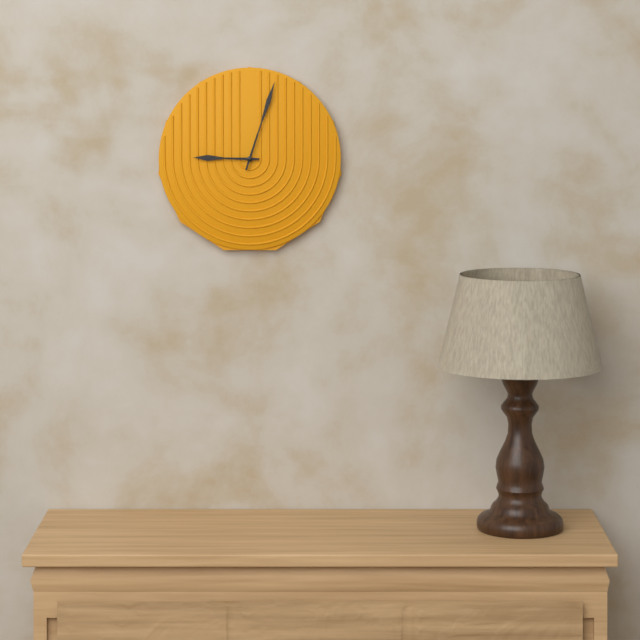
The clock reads 9:03
